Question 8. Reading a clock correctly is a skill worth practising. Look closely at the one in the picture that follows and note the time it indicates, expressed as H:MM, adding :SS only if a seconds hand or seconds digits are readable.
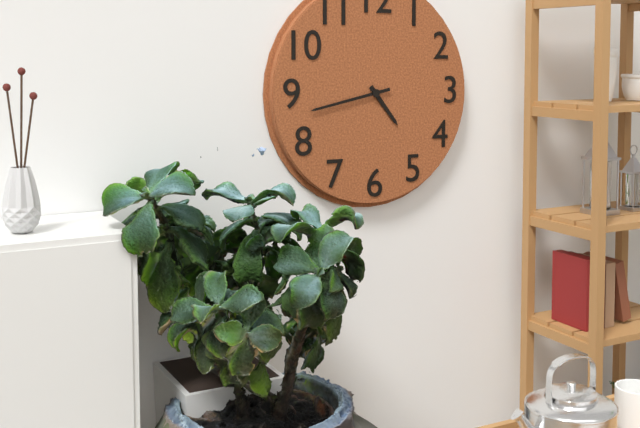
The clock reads 4:43
